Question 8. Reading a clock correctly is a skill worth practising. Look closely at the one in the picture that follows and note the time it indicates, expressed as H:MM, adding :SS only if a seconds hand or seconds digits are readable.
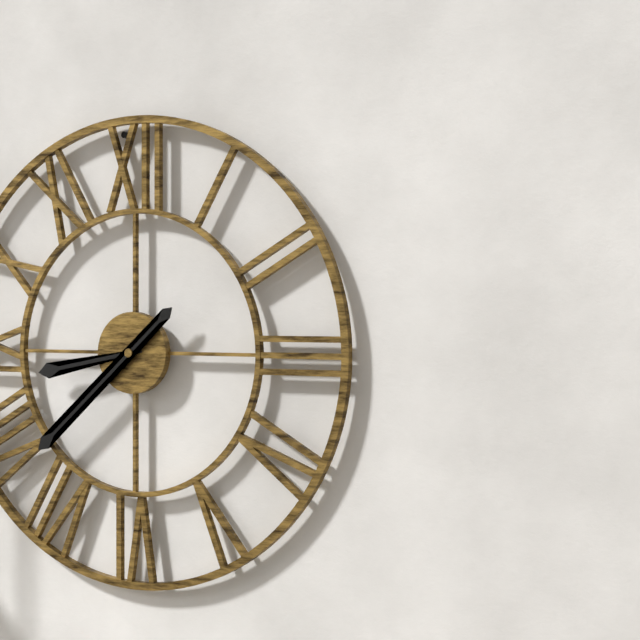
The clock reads 8:38
